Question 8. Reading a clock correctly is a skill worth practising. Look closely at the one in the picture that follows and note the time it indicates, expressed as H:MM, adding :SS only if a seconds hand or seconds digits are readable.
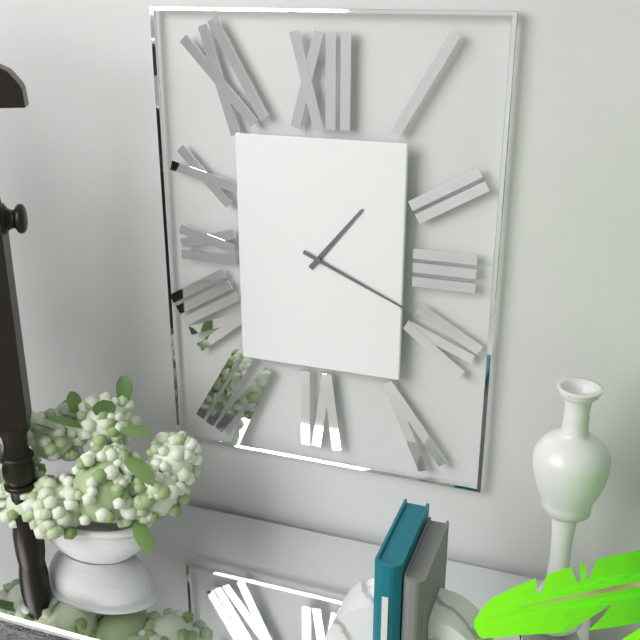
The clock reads 1:19
